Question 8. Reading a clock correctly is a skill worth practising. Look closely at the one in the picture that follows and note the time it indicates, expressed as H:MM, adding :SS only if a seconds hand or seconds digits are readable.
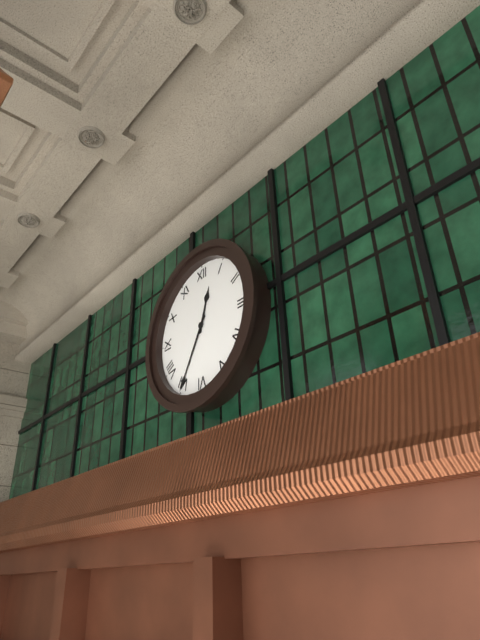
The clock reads 12:35
